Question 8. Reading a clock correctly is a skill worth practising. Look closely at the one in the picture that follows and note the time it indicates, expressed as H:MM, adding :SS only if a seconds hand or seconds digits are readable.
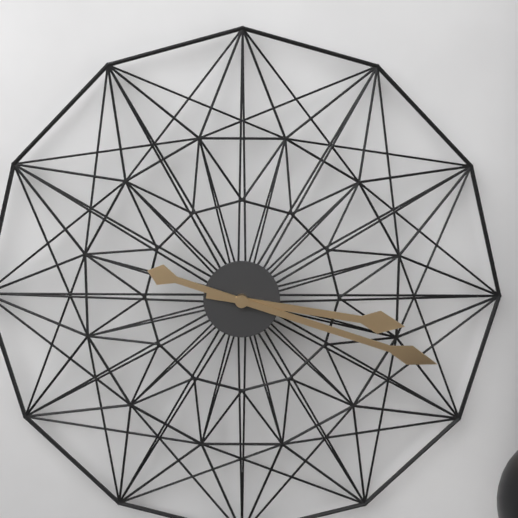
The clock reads 3:18
